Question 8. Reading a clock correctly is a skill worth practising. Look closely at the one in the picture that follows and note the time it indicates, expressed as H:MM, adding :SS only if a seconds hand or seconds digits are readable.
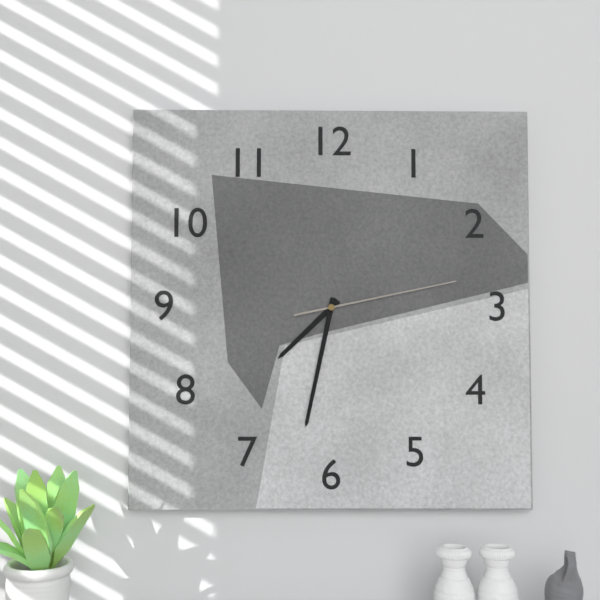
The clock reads 7:32:13
